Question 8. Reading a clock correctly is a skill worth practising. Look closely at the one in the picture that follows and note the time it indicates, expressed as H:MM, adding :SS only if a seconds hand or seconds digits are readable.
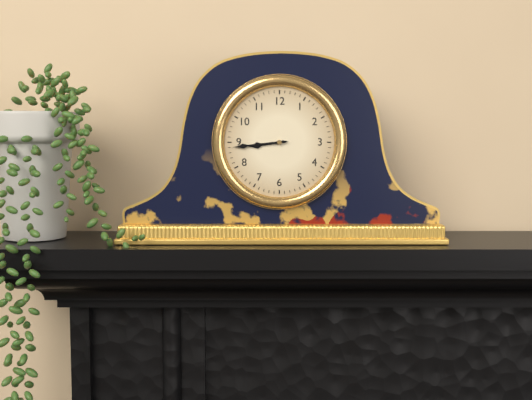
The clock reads 8:44
